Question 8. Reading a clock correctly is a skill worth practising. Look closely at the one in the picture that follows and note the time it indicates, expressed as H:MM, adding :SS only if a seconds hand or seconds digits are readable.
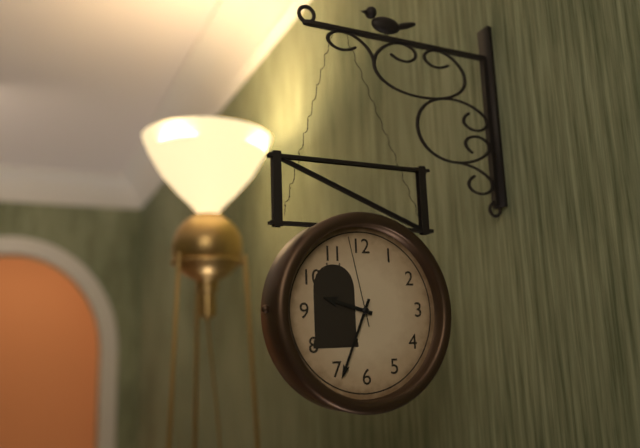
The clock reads 9:34:58
